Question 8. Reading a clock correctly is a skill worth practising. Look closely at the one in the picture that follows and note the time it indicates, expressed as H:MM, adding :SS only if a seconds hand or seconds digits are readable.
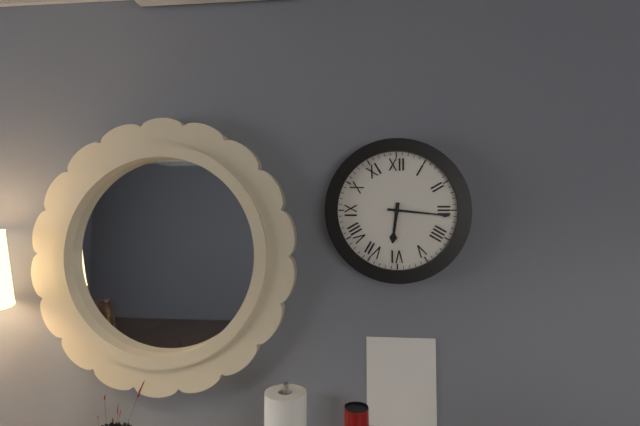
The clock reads 6:16
